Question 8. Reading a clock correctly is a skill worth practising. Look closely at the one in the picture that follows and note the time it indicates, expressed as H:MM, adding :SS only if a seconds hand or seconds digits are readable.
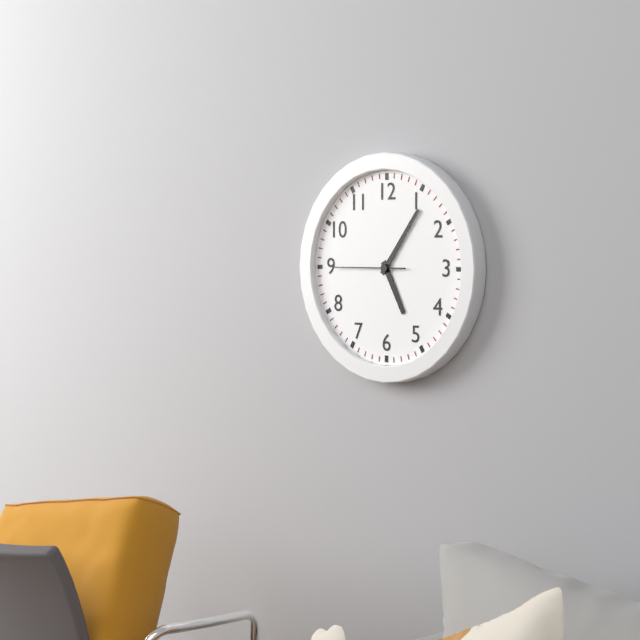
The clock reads 5:06:45
